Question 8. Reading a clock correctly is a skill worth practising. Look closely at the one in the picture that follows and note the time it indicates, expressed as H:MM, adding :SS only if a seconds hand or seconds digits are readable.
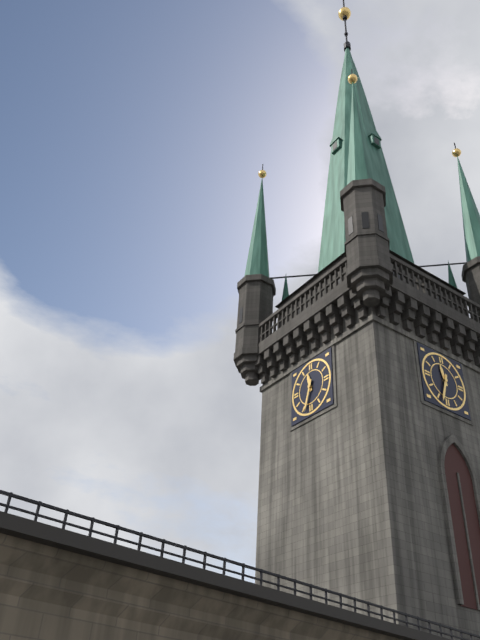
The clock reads 11:33
